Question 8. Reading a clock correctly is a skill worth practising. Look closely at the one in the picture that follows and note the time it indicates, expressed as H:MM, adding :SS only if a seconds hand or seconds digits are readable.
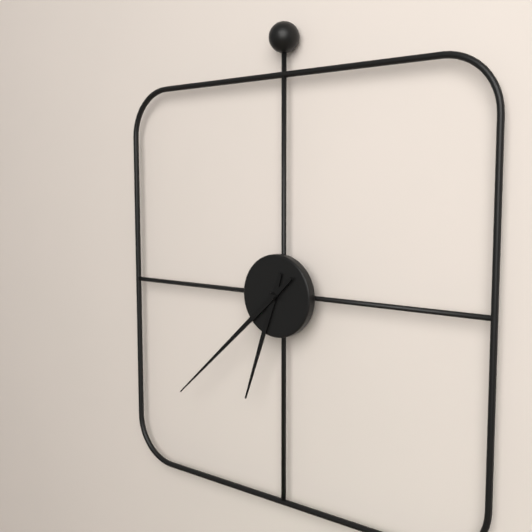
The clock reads 6:38
